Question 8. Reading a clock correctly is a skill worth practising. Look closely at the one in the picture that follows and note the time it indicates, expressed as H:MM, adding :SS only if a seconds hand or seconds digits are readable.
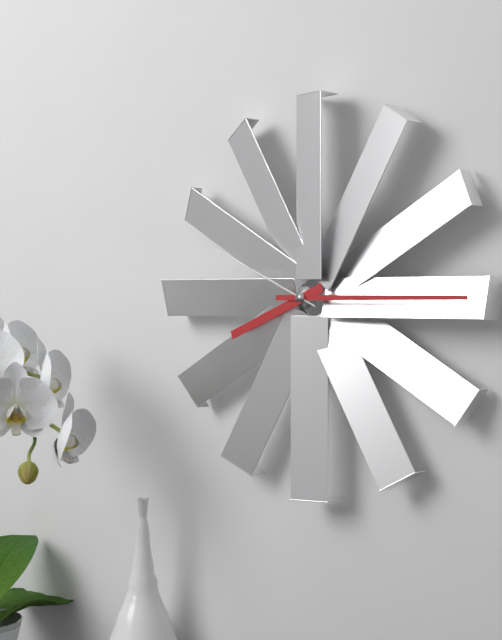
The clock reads 8:15:49
